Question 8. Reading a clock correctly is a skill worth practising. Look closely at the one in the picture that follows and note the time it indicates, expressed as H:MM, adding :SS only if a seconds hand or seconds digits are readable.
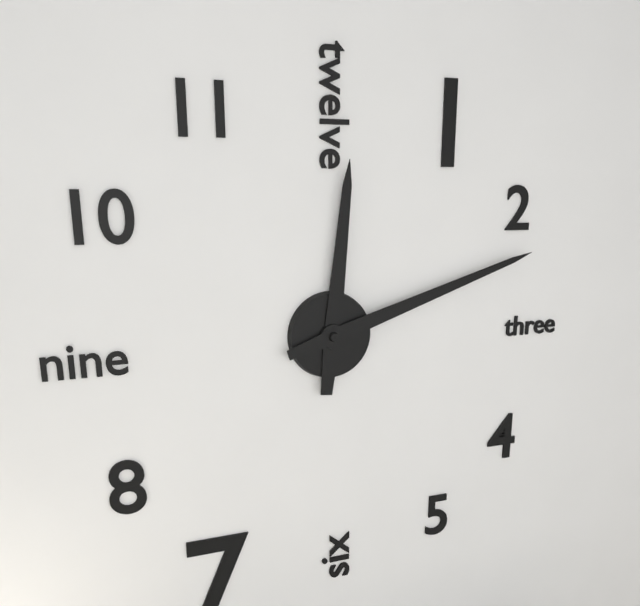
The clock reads 12:12
